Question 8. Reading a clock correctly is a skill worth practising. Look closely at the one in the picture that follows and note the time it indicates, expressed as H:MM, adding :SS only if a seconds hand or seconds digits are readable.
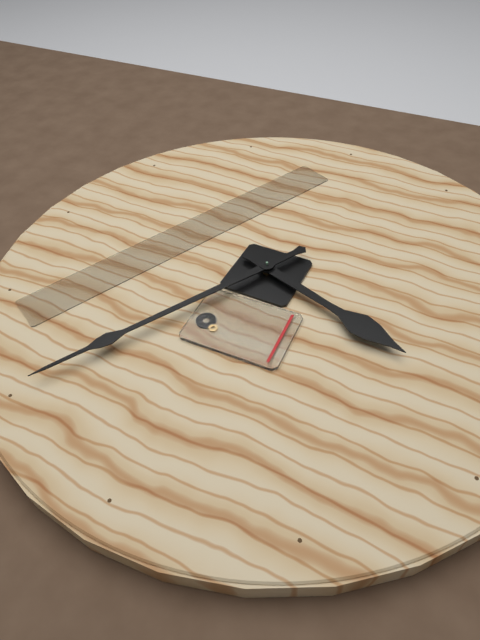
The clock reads 3:35
